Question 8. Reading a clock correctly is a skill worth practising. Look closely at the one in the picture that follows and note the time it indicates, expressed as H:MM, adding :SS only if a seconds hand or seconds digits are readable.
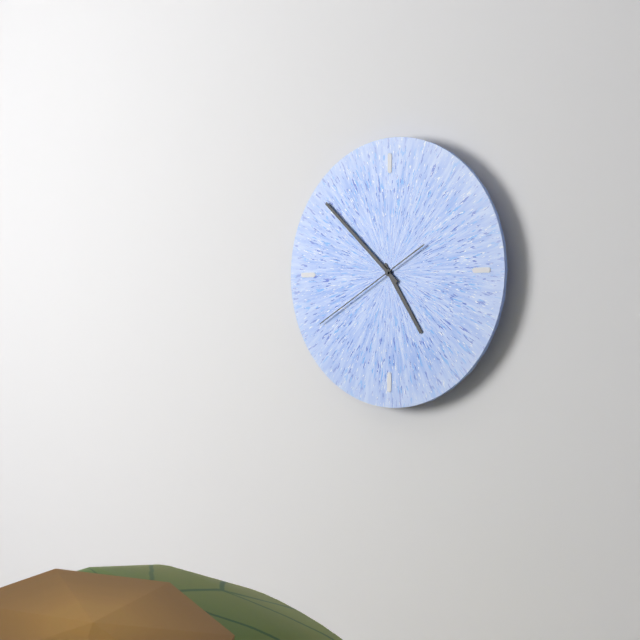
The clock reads 4:52:40
